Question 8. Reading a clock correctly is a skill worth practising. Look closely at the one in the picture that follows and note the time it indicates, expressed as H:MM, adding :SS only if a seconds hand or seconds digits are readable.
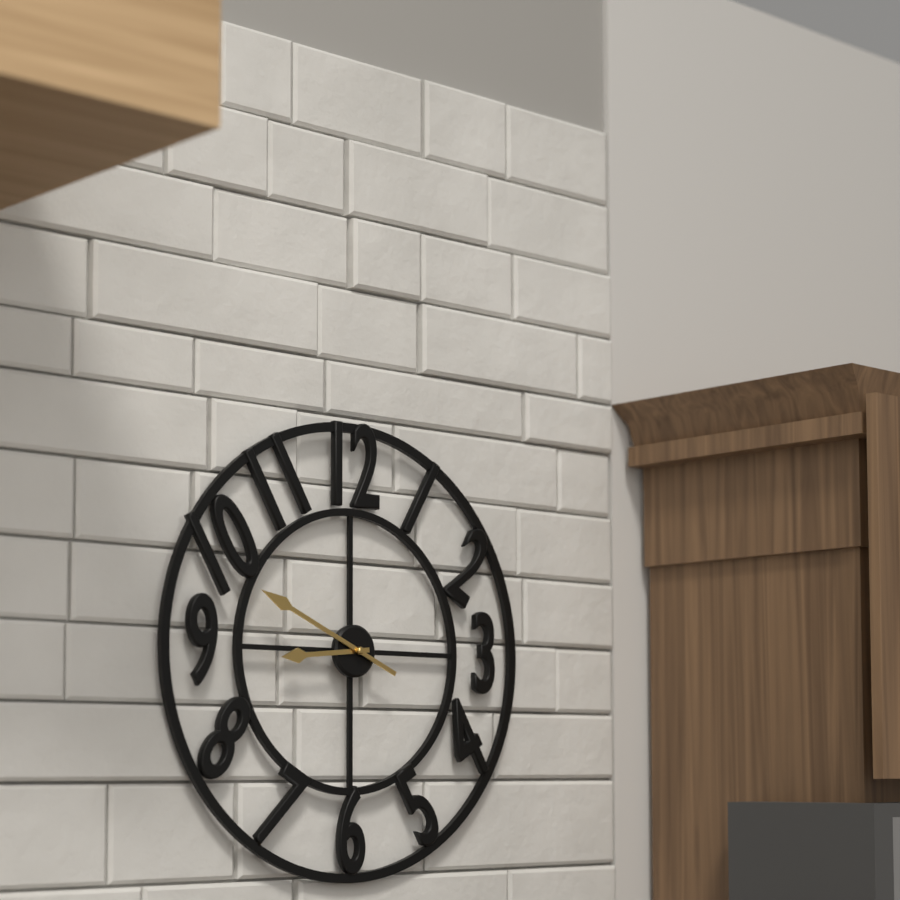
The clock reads 8:49
